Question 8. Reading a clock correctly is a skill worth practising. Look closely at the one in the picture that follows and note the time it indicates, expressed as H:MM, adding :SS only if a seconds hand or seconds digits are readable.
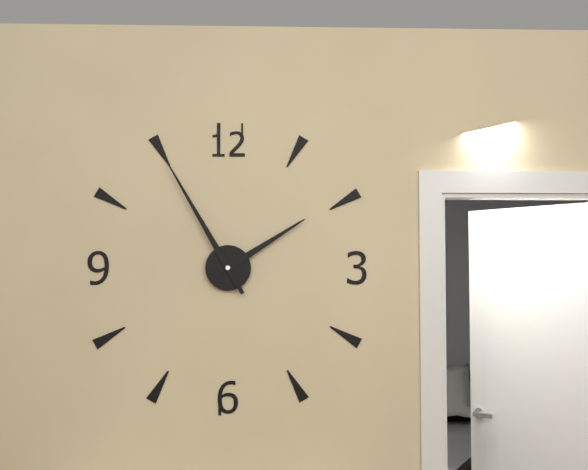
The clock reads 1:55
